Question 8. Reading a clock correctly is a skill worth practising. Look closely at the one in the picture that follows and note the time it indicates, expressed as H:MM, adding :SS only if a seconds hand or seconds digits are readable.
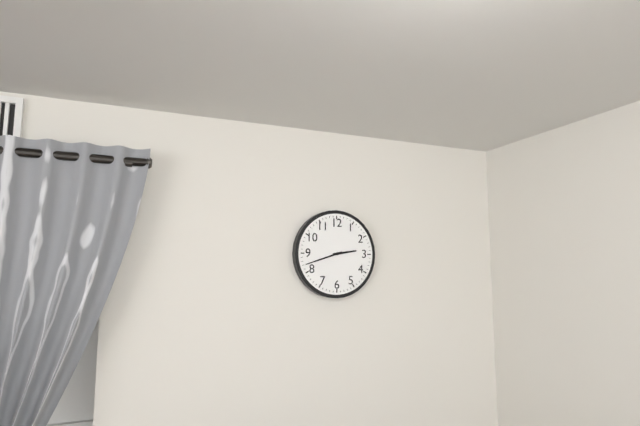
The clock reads 2:42
